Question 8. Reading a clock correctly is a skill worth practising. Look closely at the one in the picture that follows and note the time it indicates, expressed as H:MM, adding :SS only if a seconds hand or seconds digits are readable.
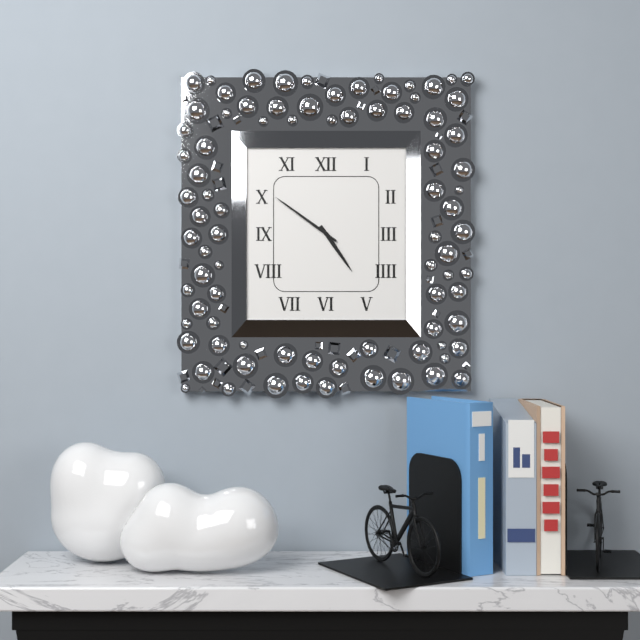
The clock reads 4:51
